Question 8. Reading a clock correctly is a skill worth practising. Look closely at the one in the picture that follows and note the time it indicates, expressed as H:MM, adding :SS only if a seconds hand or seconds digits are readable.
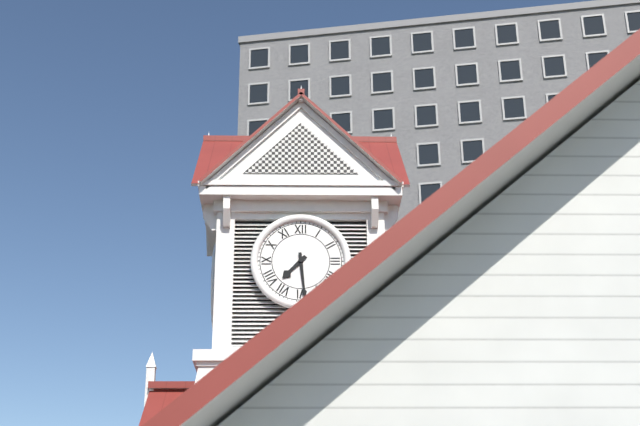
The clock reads 7:29
